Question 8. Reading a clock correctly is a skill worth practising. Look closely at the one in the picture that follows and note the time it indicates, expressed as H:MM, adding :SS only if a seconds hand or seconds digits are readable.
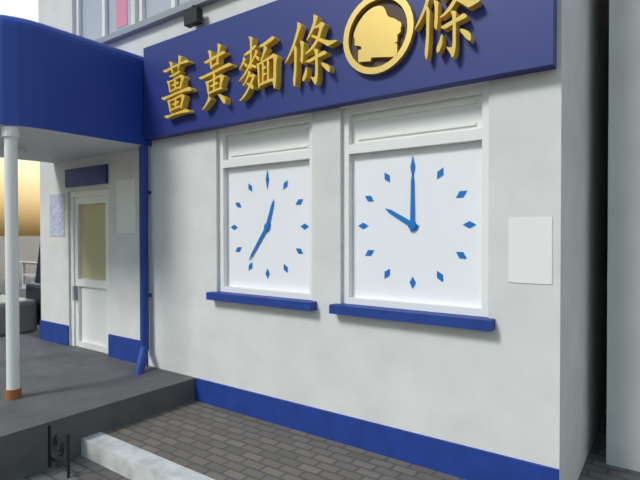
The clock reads 12:36
